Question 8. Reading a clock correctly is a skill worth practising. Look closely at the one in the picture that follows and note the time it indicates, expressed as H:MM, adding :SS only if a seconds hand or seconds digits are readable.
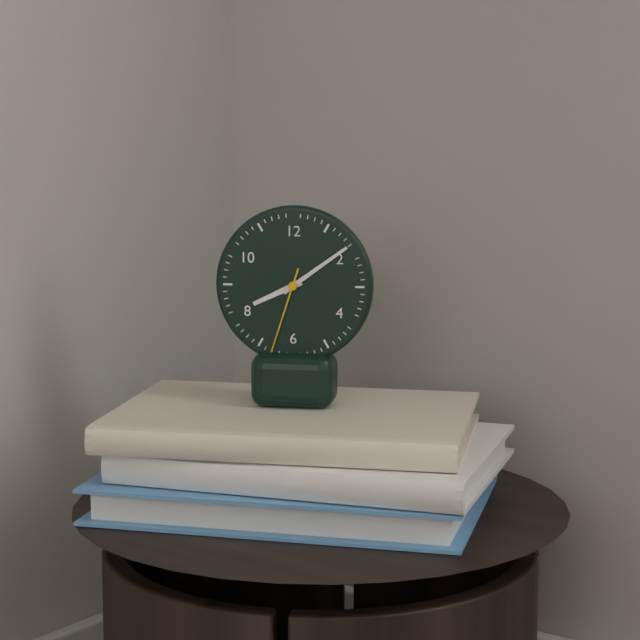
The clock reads 8:09:33
